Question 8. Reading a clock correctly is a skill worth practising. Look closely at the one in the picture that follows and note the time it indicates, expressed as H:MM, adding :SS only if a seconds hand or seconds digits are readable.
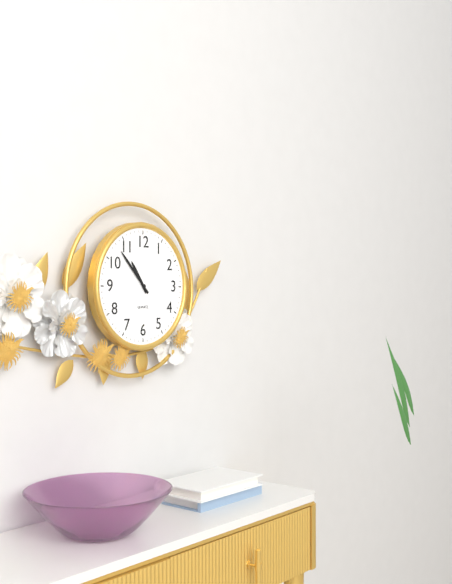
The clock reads 10:53
